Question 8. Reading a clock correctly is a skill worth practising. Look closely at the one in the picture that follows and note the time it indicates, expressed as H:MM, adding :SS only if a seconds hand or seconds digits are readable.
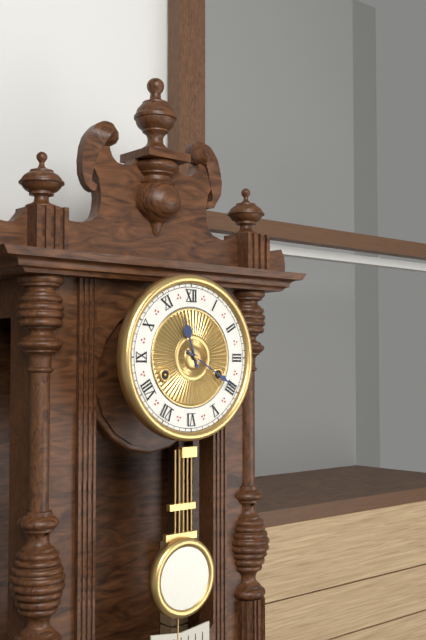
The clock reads 11:20
